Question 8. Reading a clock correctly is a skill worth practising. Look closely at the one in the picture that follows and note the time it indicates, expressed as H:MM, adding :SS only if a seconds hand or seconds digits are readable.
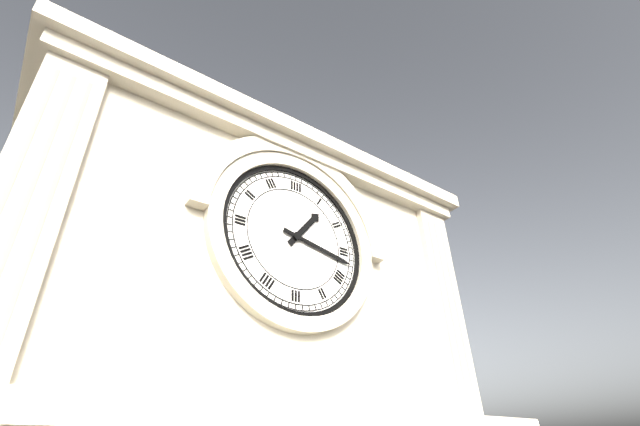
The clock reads 1:17
